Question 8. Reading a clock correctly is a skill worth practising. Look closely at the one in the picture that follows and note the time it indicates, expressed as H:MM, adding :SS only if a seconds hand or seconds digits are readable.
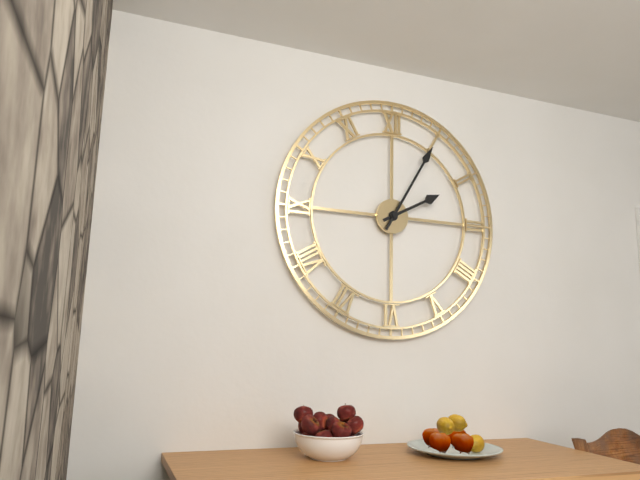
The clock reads 2:05
